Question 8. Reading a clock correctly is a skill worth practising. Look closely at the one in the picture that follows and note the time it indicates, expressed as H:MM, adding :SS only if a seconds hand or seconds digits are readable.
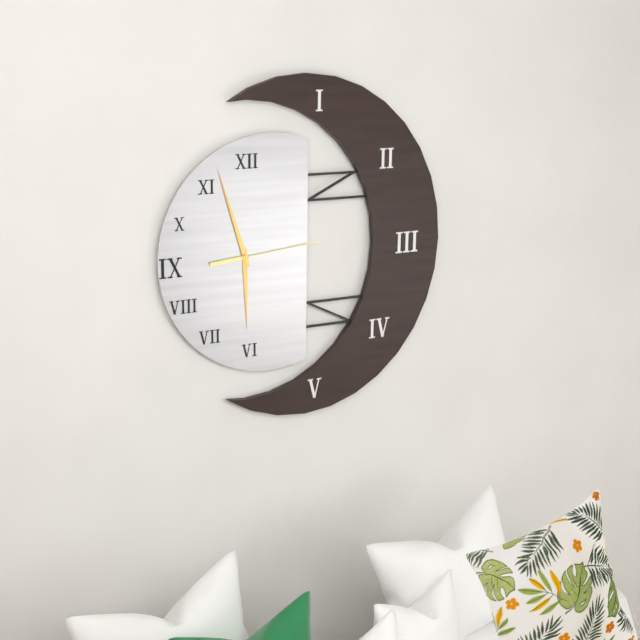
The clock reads 5:57:14
